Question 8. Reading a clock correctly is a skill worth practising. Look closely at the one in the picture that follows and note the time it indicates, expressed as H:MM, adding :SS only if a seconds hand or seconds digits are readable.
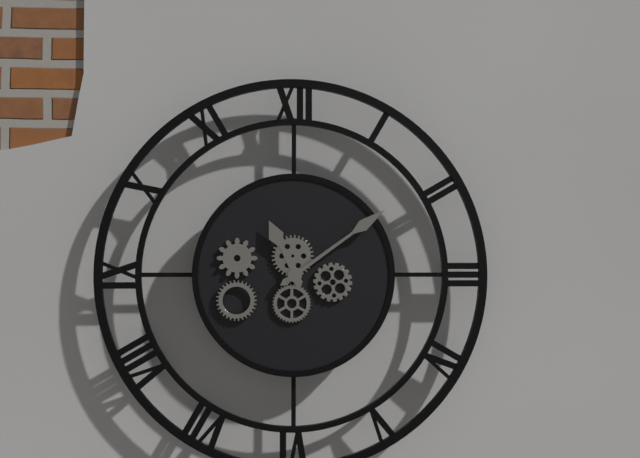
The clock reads 11:09
